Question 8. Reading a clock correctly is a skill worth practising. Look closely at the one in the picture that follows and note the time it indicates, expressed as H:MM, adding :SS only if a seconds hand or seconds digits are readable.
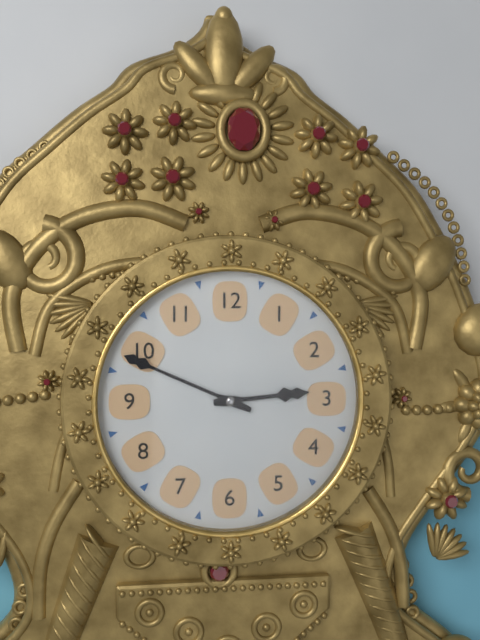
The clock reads 2:49
